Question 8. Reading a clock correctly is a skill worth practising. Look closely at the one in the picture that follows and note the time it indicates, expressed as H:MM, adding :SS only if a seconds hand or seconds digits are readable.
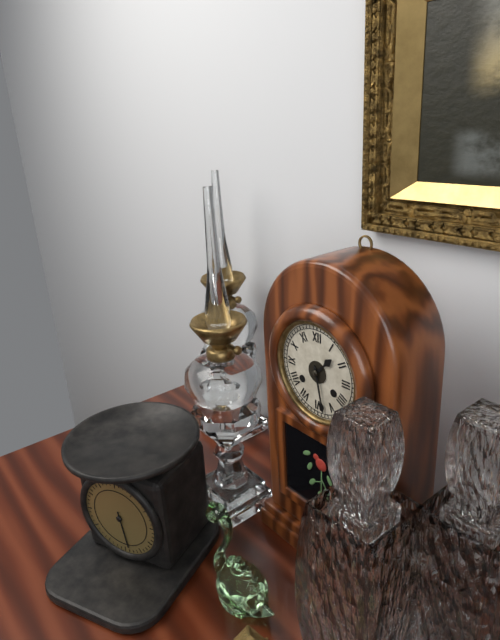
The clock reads 1:28
